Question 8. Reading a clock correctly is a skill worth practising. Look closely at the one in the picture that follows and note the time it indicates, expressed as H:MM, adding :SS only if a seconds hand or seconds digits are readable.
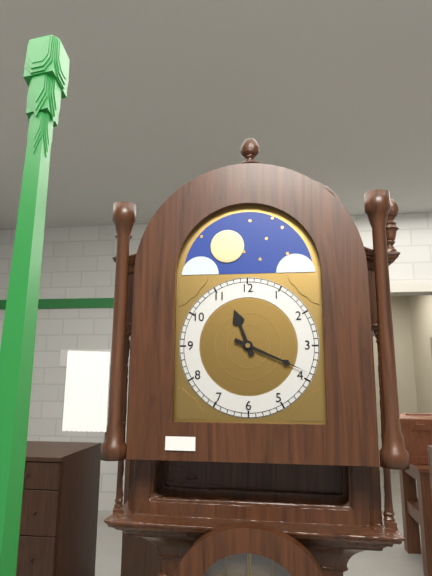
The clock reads 11:19
